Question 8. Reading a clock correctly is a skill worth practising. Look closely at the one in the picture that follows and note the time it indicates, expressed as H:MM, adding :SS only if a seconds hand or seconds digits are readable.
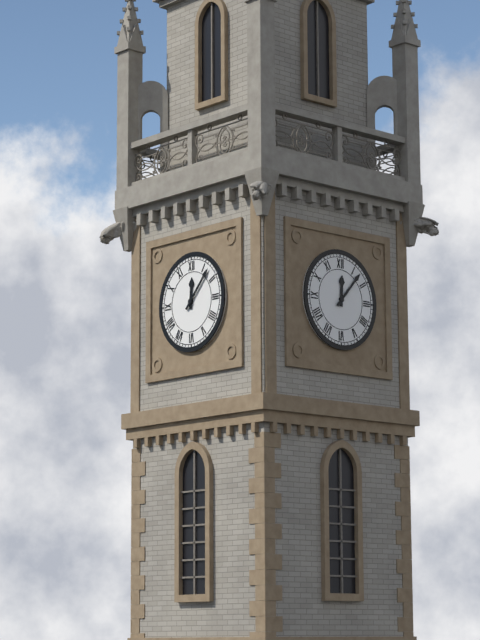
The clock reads 12:07
